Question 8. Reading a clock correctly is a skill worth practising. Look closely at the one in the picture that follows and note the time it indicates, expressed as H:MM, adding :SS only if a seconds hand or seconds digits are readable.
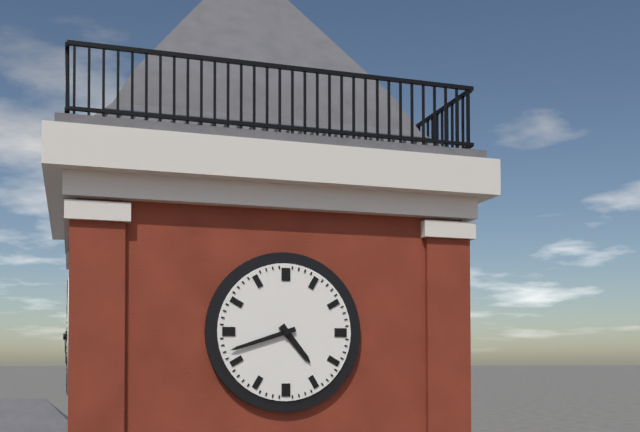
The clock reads 4:42
